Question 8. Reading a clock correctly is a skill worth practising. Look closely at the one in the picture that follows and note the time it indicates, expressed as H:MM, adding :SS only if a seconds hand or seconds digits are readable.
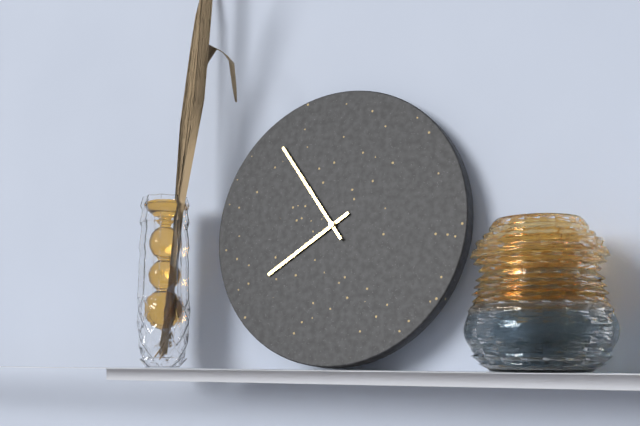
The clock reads 7:54
